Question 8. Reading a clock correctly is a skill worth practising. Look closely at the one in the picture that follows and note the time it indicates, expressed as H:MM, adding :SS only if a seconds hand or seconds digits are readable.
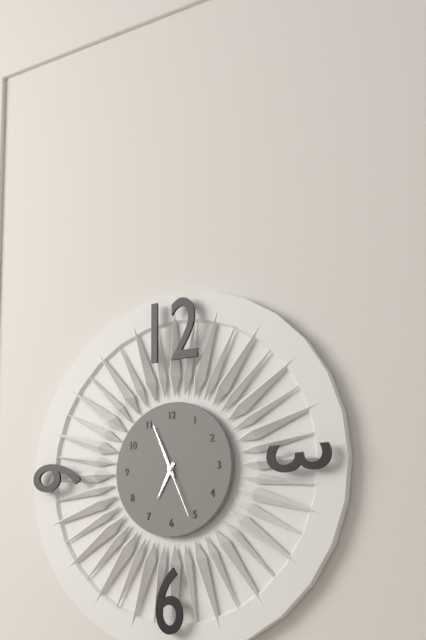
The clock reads 6:56:26
